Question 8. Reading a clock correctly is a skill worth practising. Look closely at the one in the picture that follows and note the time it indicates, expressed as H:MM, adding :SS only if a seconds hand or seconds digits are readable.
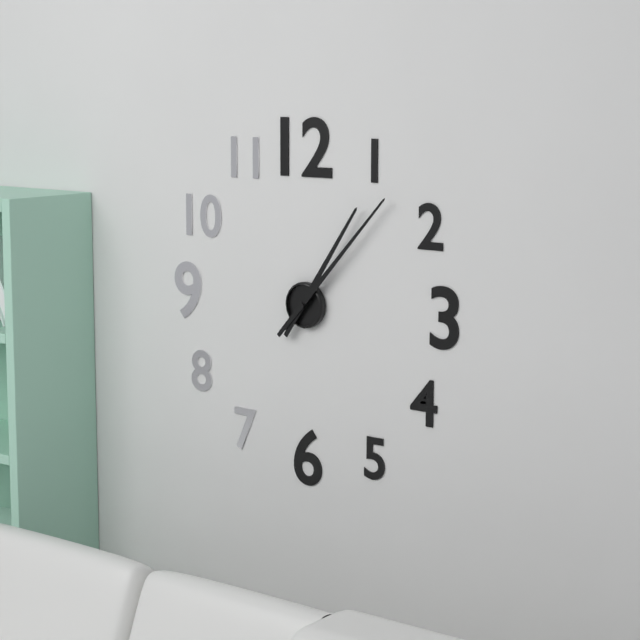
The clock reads 1:07
